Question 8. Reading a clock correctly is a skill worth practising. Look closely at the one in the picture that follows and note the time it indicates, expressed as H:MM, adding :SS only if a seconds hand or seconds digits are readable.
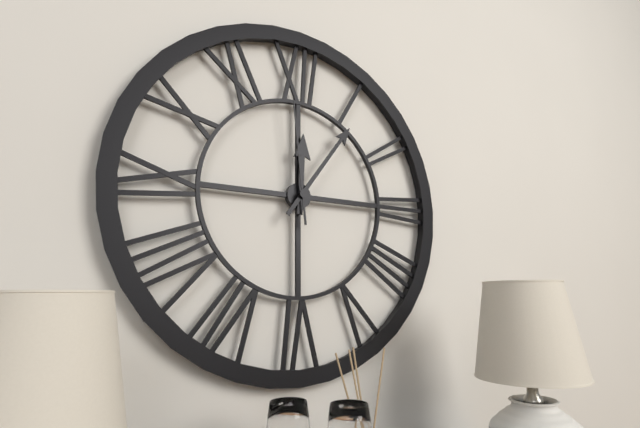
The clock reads 12:06:59
